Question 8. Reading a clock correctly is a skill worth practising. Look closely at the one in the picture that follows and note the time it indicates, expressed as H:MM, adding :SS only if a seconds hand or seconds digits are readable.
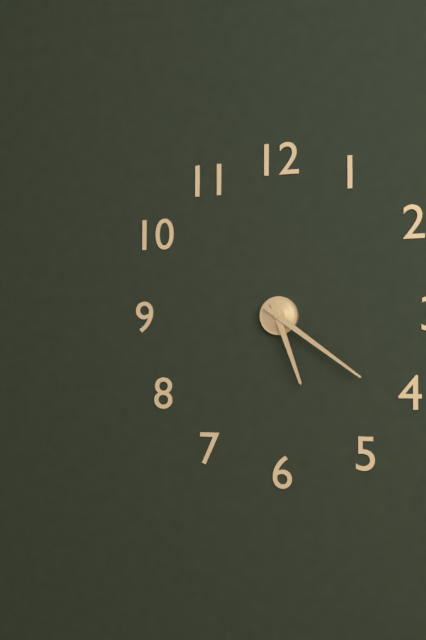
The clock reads 5:21
